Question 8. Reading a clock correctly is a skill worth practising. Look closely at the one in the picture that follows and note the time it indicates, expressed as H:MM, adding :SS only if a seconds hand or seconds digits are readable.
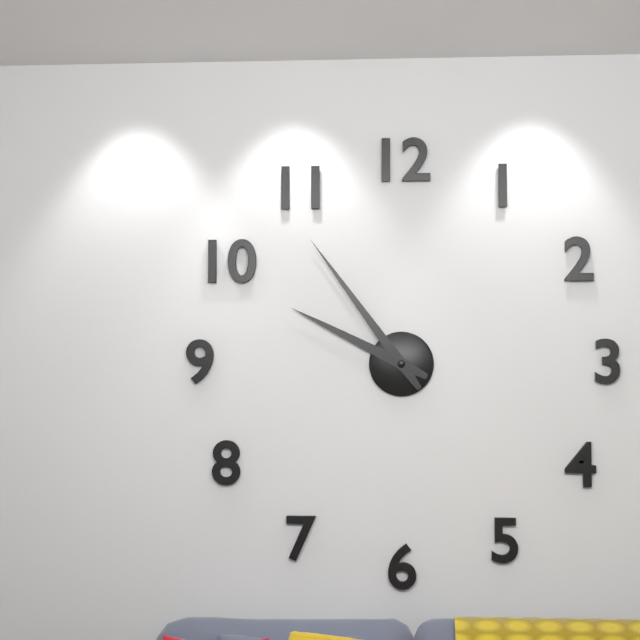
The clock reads 9:54
